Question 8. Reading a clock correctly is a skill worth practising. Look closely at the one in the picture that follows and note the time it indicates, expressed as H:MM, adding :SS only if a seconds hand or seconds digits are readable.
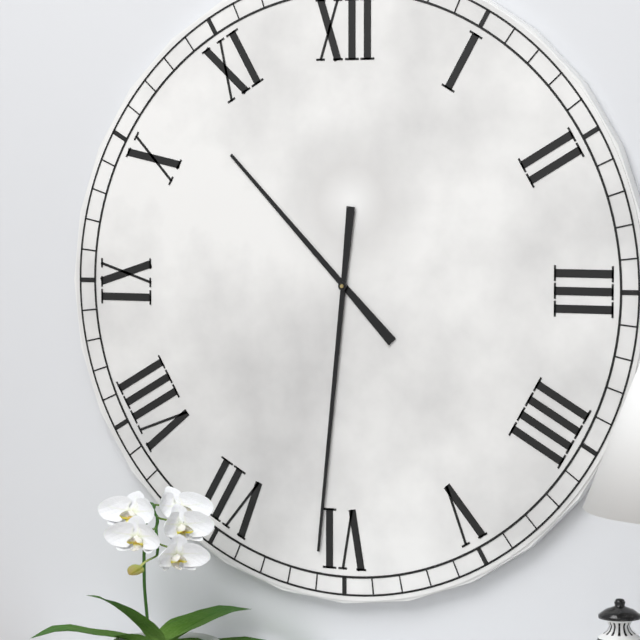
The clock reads 10:31
